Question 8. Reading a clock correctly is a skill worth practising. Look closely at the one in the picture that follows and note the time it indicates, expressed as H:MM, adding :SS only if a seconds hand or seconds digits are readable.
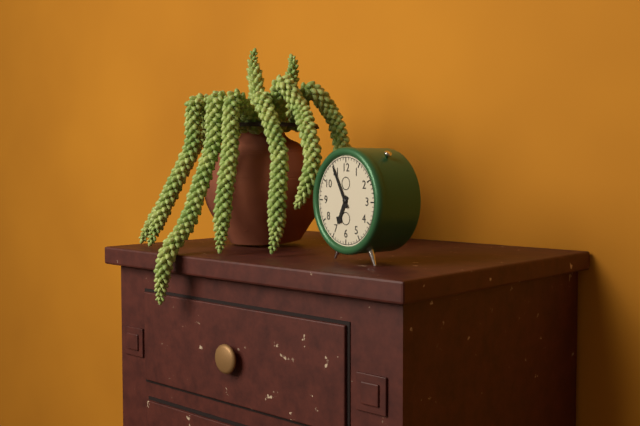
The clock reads 6:55
